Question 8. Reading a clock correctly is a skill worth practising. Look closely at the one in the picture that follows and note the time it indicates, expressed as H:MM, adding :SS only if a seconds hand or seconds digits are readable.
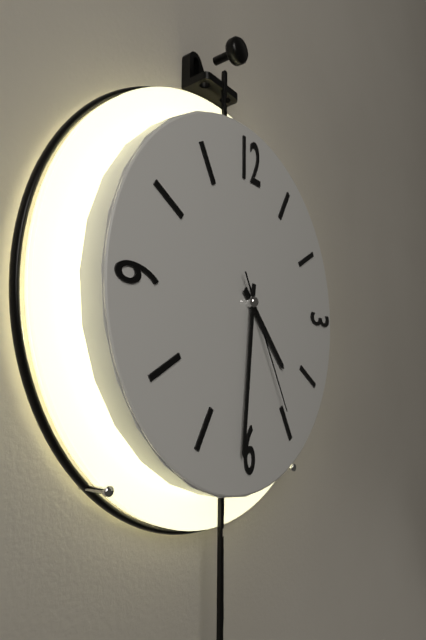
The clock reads 4:31:25
